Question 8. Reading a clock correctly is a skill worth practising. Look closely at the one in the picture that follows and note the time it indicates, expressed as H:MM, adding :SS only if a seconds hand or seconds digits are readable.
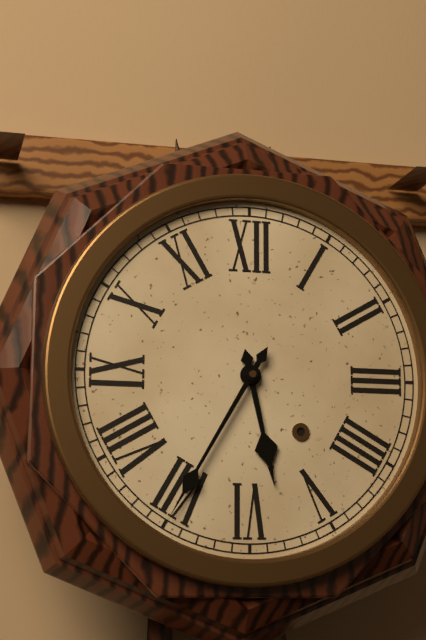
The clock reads 5:35
